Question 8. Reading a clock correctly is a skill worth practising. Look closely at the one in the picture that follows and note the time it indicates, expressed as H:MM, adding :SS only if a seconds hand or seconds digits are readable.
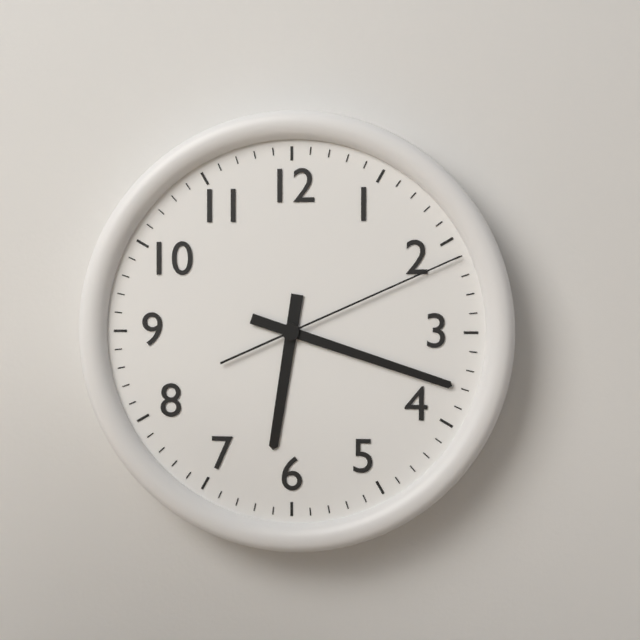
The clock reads 6:18:11
